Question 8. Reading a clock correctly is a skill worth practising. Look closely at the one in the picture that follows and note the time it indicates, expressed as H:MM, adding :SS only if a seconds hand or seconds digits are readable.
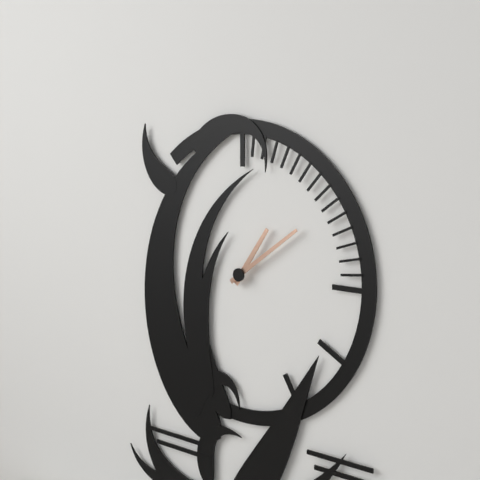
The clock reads 1:09
